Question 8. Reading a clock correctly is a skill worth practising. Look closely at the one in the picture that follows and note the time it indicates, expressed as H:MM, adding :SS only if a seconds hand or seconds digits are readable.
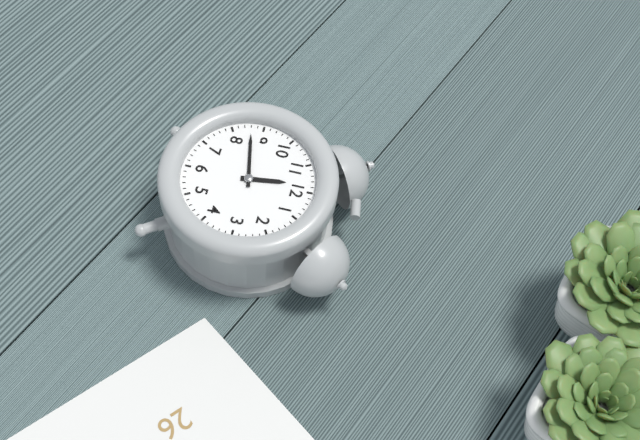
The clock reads 11:43
